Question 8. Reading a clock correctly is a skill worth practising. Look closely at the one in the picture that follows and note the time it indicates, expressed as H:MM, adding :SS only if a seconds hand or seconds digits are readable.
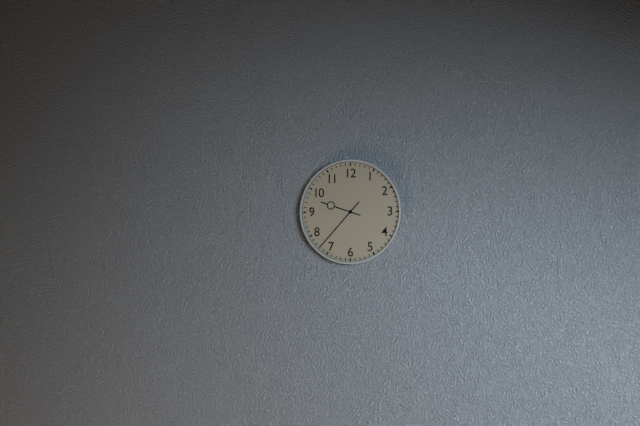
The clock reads 9:37
